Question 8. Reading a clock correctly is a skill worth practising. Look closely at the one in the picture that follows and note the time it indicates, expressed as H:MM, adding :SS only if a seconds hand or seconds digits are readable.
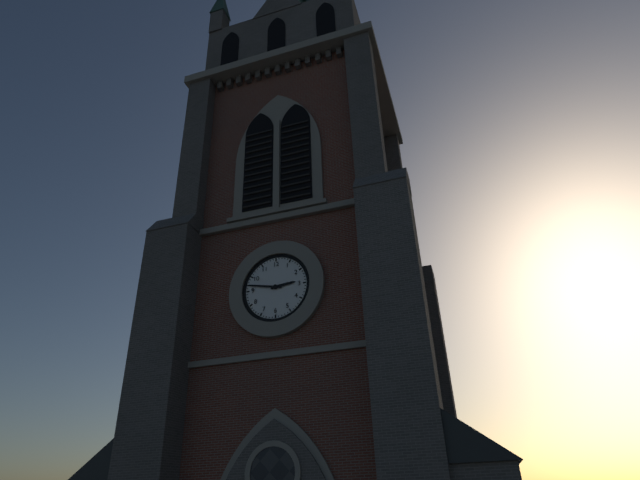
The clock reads 2:47
